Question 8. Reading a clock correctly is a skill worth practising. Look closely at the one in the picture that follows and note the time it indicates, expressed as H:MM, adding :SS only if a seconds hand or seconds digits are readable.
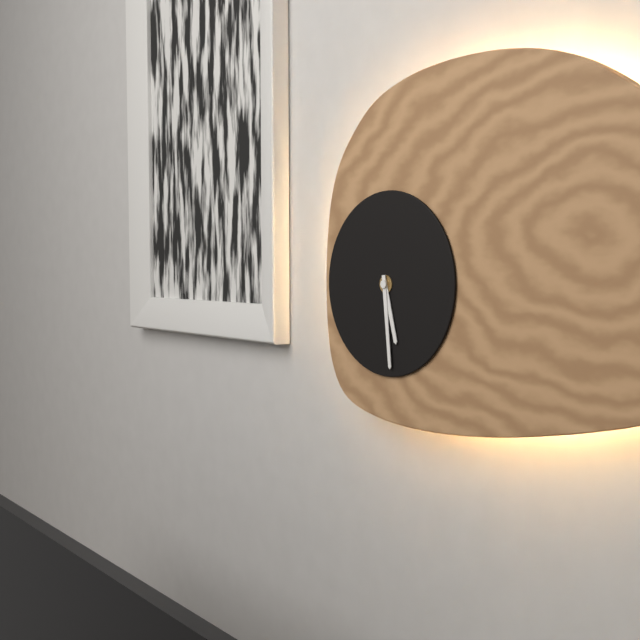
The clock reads 5:29
